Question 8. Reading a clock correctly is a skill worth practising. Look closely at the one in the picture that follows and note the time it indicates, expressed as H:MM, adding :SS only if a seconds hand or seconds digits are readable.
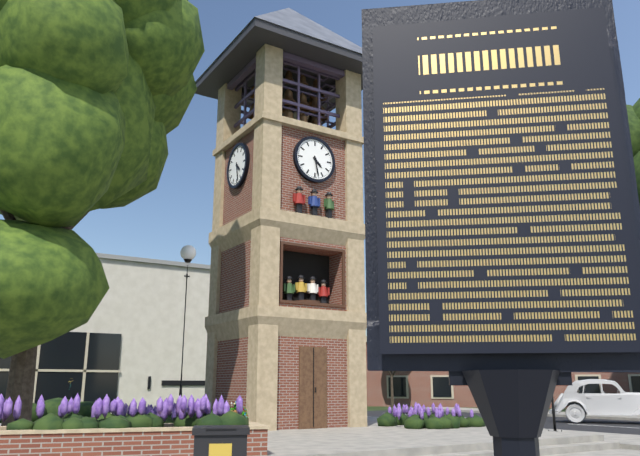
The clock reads 4:28
